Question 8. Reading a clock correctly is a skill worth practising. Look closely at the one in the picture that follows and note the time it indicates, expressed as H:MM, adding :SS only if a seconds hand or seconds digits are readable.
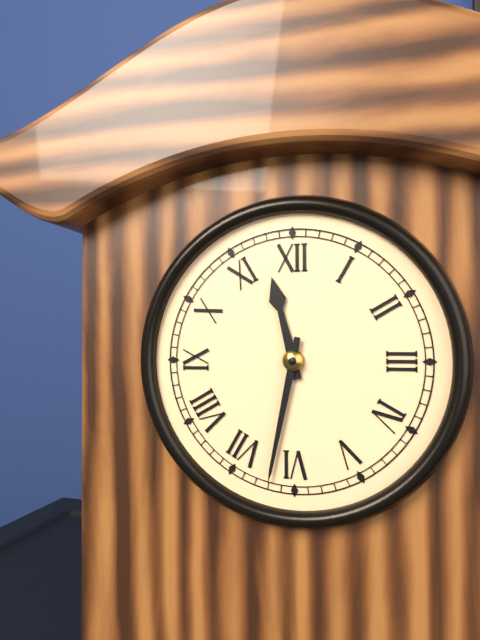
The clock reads 11:32
